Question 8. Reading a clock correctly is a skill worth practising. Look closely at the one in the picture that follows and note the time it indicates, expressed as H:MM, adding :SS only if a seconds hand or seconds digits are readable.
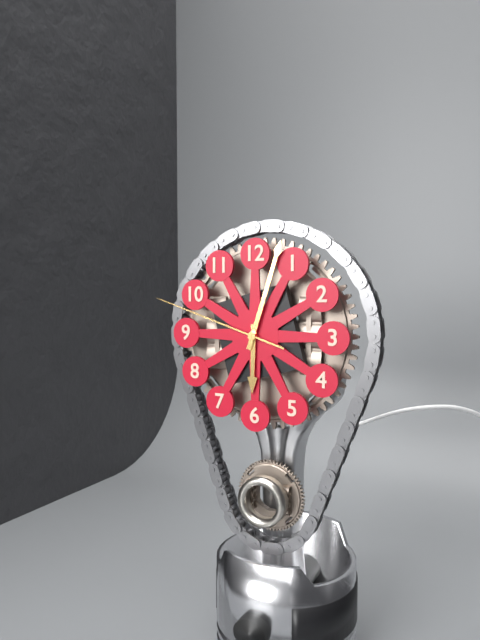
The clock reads 6:03:48
